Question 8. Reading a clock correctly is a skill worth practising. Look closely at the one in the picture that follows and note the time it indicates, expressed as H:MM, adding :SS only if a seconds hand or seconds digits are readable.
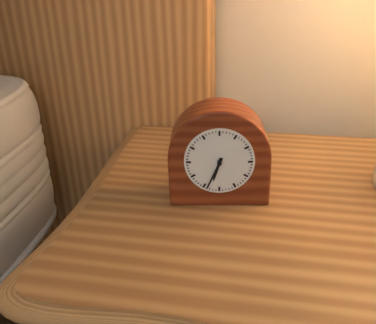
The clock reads 6:34
